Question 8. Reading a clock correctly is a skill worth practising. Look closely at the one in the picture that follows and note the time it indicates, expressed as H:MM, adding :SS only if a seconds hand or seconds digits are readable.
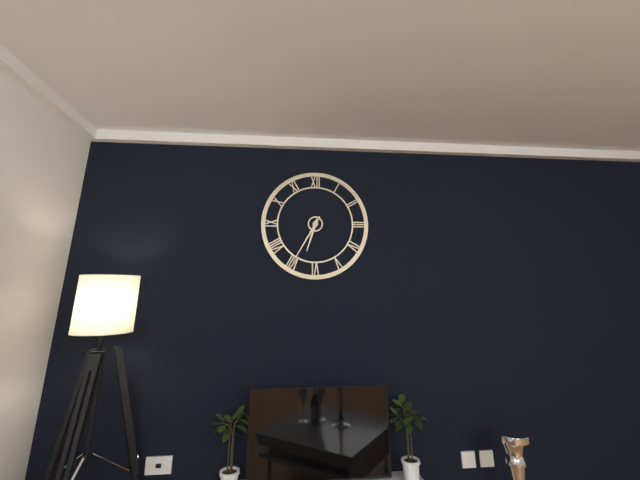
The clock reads 6:35
